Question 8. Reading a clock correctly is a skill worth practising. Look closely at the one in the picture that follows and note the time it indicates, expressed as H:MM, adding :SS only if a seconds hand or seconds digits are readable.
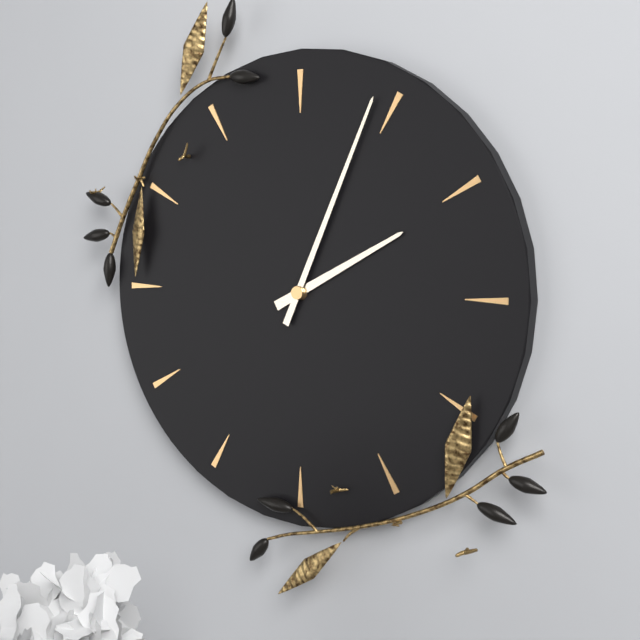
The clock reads 2:04
